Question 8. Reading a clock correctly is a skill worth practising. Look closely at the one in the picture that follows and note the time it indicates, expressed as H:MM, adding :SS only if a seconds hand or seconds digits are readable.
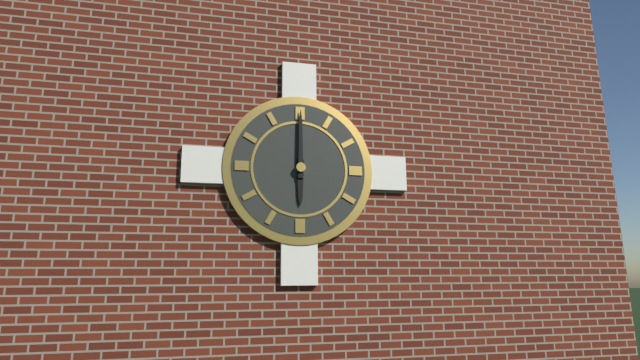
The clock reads 6:00
